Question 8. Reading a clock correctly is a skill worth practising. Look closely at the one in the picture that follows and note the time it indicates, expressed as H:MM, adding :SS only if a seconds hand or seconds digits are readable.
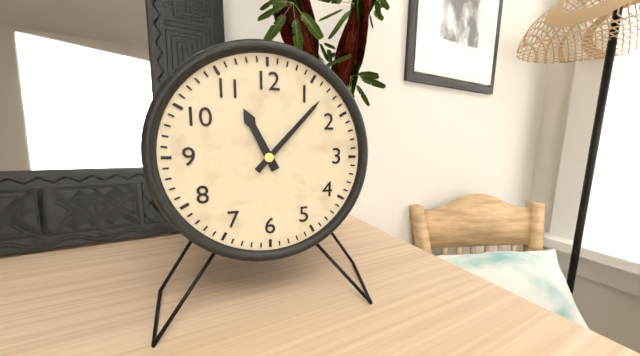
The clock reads 11:07
